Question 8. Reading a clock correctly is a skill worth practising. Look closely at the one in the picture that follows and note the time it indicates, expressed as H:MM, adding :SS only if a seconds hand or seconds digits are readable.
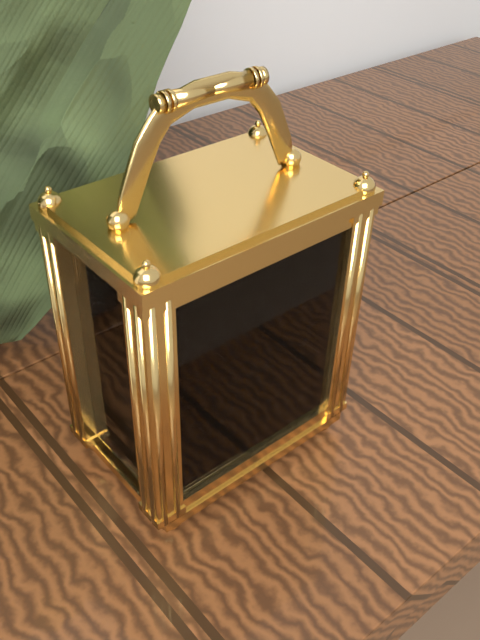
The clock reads 3:18
